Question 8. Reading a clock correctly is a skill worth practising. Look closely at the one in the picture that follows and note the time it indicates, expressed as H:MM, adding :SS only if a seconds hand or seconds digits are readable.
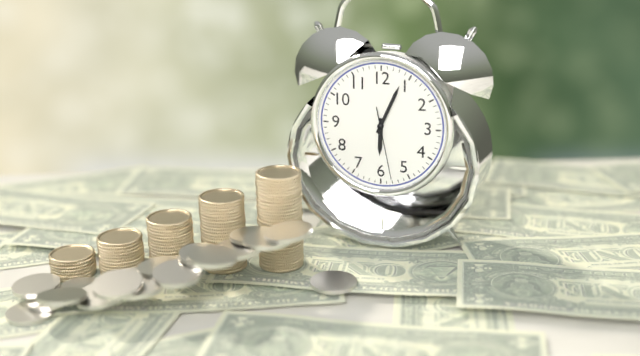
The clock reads 6:04:28
